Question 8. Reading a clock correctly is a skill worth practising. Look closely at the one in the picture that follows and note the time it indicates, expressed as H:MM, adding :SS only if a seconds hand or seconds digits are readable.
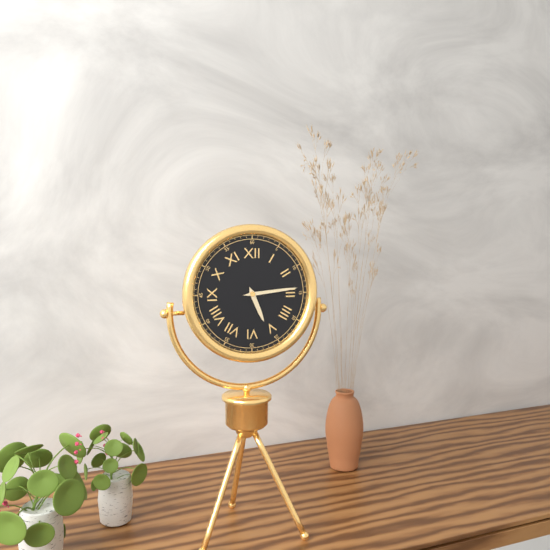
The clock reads 5:14
